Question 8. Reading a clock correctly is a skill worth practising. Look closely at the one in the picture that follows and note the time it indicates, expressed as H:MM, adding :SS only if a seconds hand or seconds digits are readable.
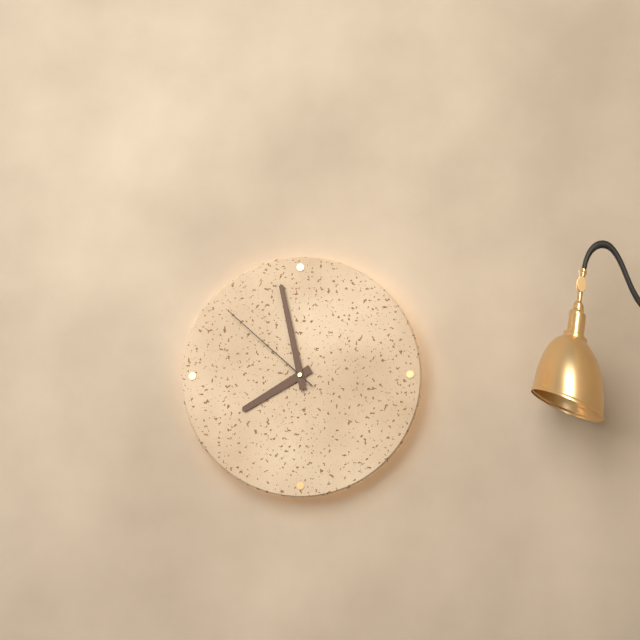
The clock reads 7:58:52
